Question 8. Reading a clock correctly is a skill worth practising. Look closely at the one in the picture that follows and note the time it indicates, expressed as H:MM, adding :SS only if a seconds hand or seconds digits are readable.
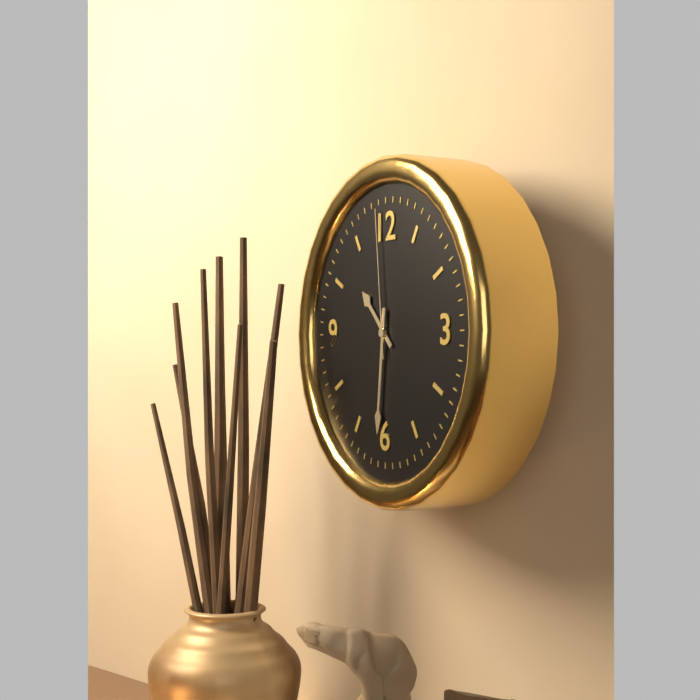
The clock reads 10:31:59
